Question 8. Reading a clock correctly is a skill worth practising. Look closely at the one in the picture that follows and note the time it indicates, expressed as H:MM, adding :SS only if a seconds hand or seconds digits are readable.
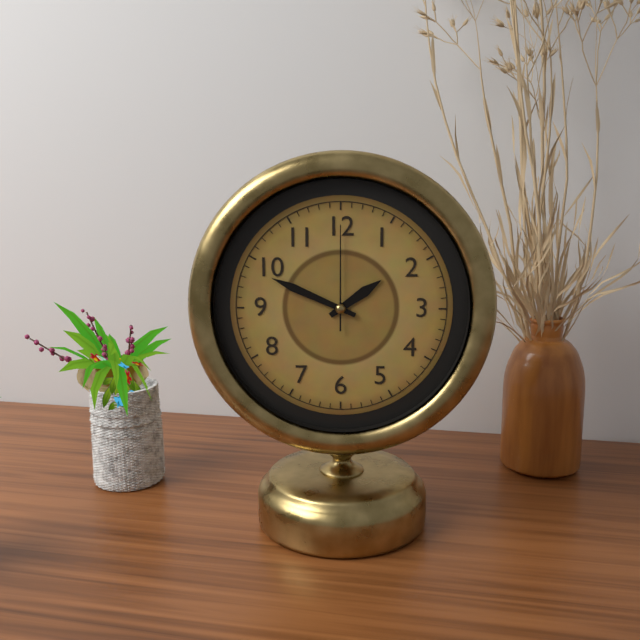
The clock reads 1:49:00
